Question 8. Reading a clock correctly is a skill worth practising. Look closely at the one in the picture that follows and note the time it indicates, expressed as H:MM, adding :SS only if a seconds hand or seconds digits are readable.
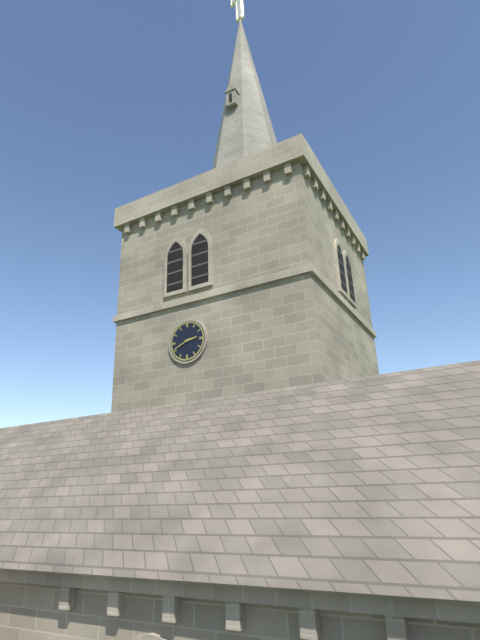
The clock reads 2:41
